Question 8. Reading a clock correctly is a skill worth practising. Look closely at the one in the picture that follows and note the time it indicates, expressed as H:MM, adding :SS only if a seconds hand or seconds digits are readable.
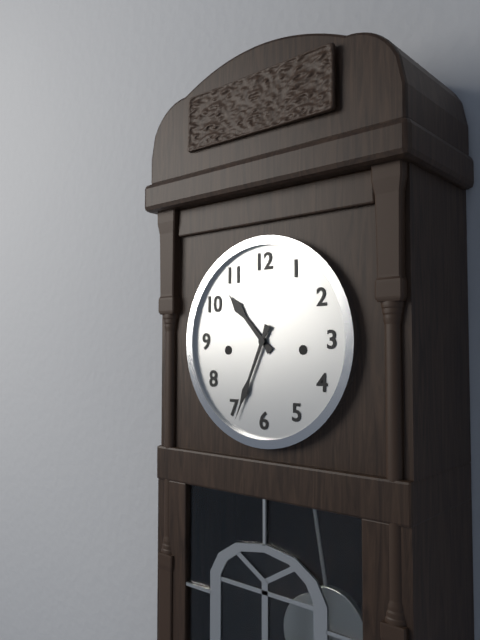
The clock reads 10:34
